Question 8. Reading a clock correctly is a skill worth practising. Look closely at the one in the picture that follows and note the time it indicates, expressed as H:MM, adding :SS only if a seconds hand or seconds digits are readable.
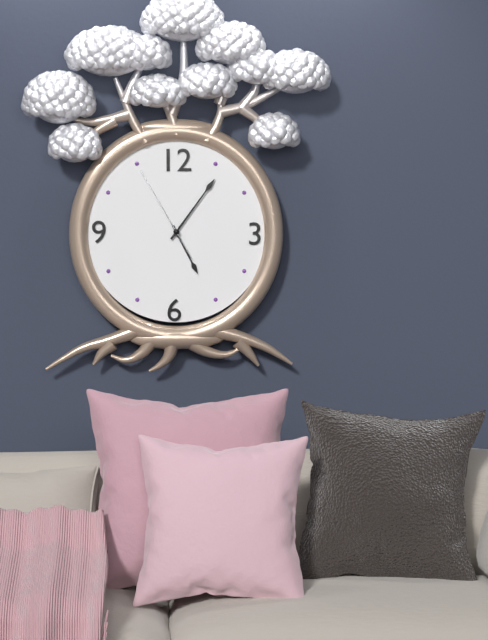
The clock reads 5:06:55
